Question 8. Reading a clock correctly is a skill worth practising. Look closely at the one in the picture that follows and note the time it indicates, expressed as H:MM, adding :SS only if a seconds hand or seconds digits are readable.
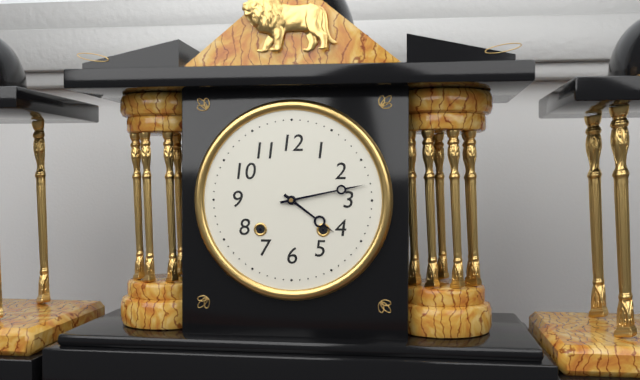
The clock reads 4:13
